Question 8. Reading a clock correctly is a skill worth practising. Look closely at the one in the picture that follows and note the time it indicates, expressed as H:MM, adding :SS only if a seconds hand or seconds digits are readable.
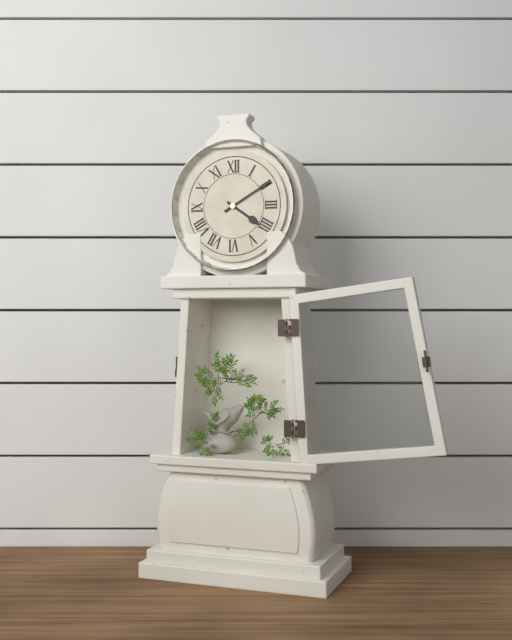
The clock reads 4:10
